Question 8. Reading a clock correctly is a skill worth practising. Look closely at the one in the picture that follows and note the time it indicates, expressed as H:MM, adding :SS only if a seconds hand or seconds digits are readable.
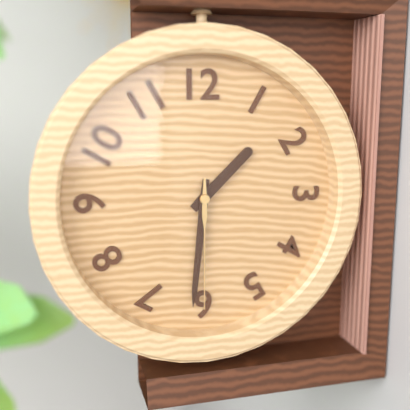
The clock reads 1:31:30
